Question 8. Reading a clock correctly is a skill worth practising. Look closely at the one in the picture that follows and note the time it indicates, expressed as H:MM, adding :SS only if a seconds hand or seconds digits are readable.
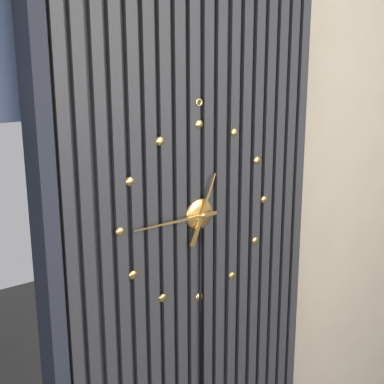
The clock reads 12:45
